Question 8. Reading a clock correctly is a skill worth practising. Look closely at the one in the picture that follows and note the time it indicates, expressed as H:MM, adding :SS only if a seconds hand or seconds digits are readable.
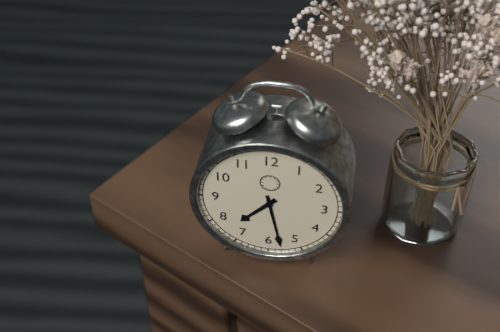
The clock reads 7:28
